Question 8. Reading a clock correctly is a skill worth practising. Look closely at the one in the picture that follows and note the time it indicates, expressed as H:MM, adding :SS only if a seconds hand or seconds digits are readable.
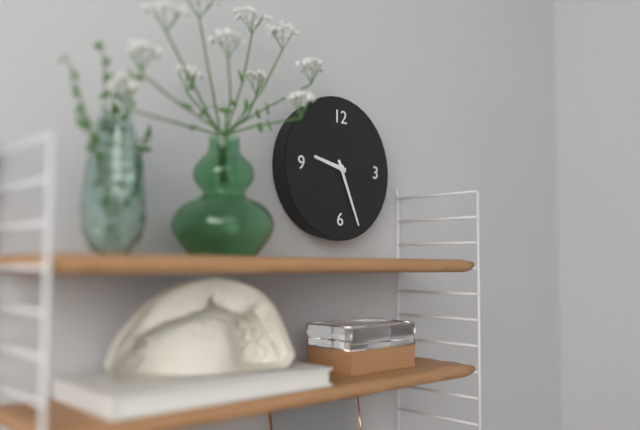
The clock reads 9:26
